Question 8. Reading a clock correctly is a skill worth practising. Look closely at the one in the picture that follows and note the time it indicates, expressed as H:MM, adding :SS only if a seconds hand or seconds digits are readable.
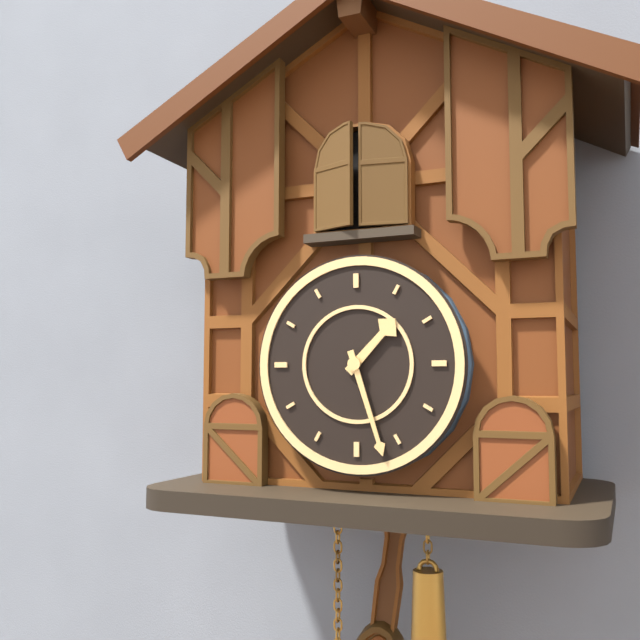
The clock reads 1:27
